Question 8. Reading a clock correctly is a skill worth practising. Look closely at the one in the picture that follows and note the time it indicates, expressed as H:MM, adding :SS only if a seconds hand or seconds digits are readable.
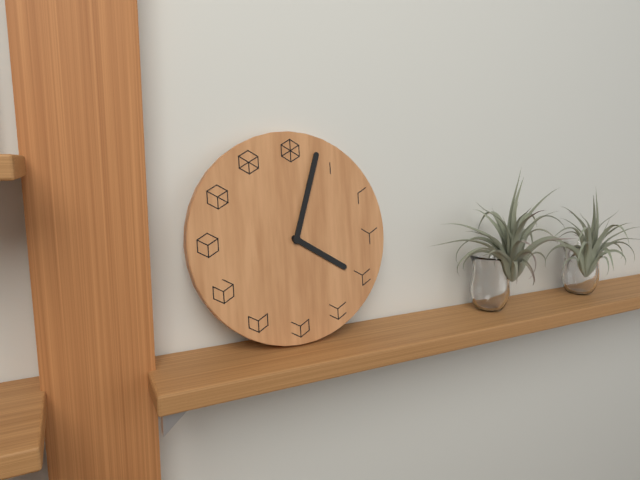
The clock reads 4:03
